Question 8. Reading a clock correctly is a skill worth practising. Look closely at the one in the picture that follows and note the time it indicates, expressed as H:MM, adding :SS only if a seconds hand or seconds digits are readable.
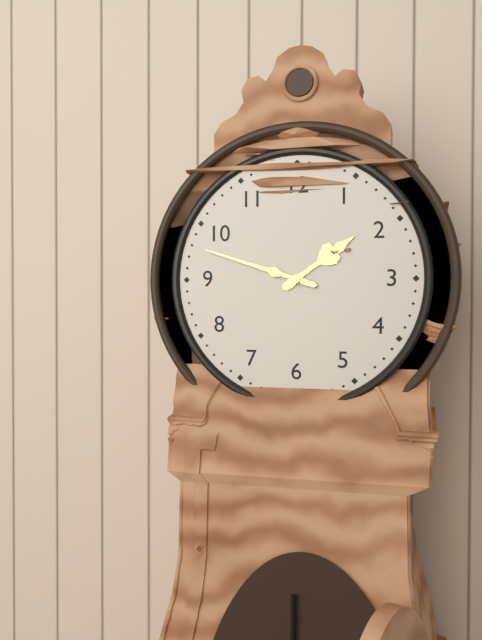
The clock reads 1:48
